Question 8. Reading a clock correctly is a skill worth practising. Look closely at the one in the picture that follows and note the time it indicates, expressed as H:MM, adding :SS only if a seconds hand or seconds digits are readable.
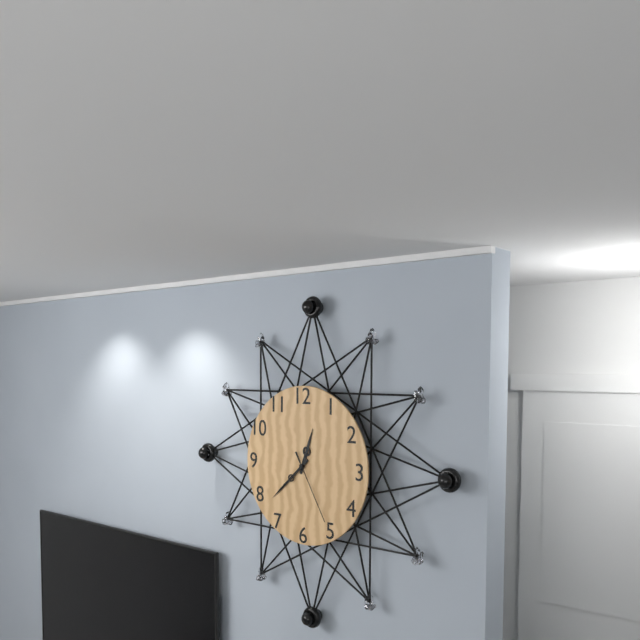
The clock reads 12:38:25
